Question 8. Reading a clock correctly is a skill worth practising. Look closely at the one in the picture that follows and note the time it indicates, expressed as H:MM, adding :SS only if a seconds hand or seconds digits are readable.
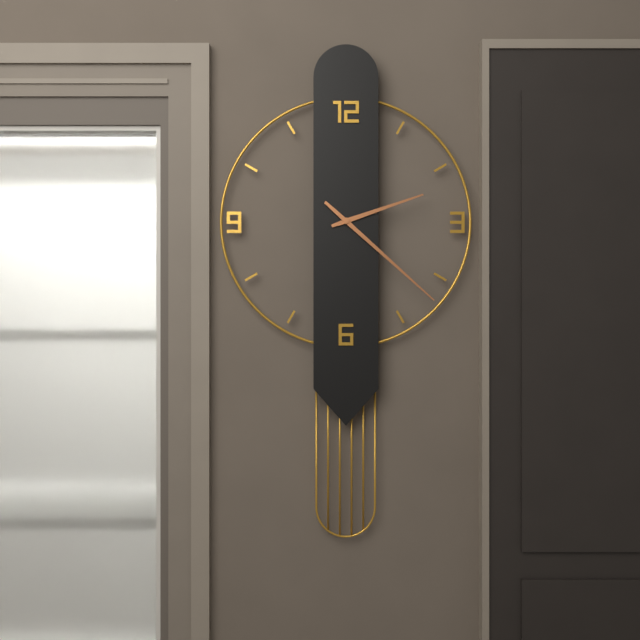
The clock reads 2:22
